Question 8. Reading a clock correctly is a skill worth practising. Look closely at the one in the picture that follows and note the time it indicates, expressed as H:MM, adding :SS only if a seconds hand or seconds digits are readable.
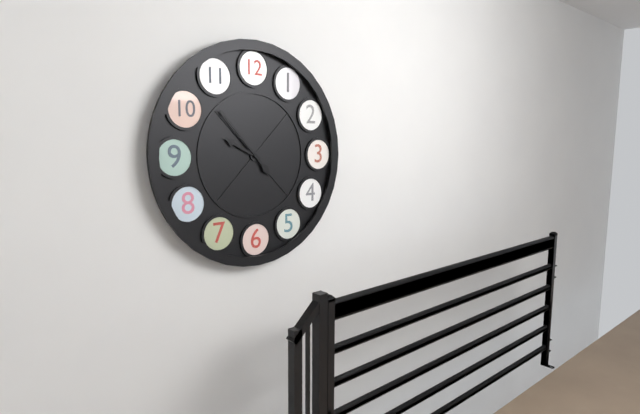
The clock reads 9:53
